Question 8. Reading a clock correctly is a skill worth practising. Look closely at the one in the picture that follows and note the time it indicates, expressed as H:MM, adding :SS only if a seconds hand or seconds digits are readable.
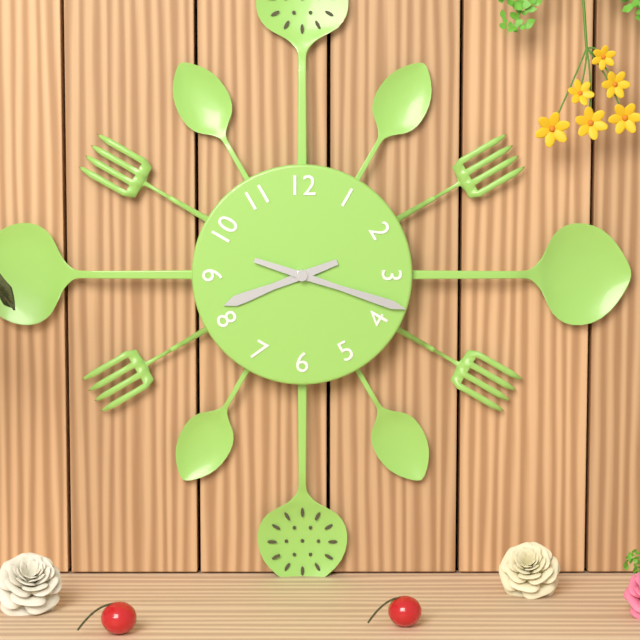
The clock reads 8:18
